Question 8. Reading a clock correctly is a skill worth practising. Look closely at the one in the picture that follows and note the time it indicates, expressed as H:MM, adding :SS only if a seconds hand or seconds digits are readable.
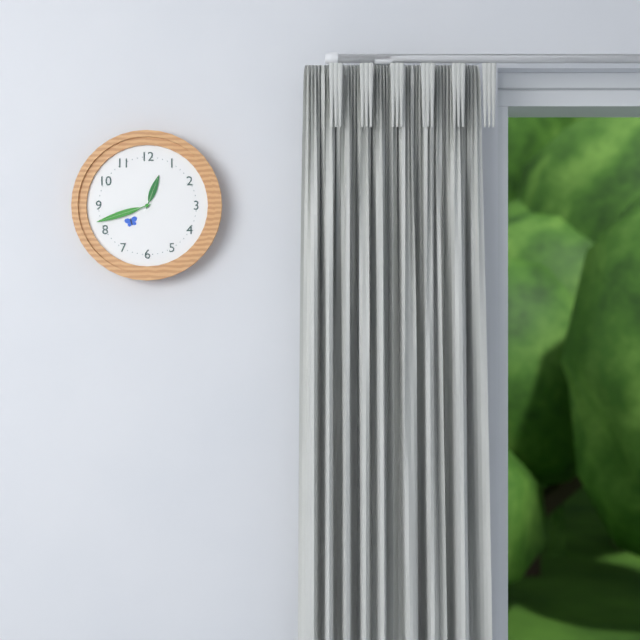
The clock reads 12:42
